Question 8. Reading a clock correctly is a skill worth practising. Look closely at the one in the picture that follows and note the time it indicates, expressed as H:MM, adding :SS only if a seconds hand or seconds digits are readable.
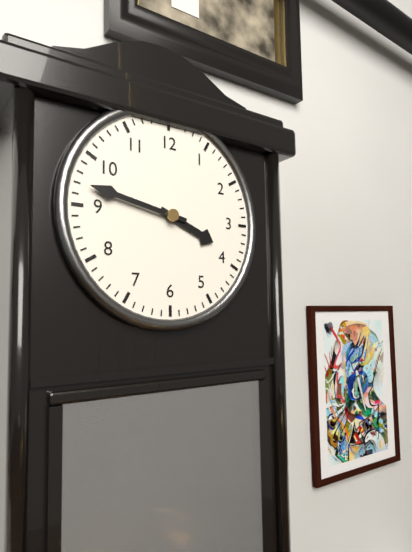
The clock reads 3:47
